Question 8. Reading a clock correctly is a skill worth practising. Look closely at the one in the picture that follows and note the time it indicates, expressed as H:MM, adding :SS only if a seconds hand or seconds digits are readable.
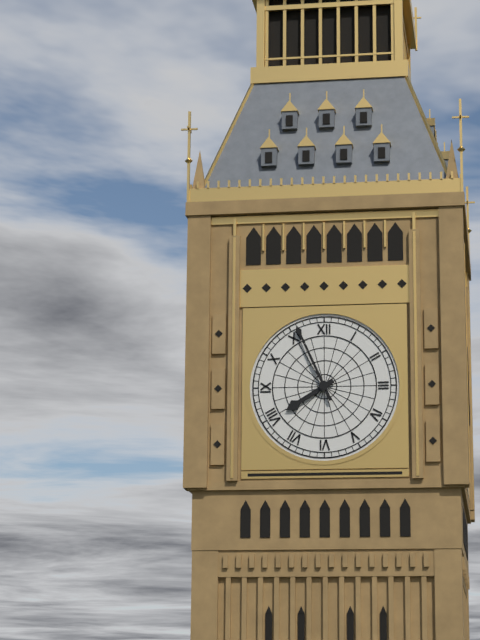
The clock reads 7:56
